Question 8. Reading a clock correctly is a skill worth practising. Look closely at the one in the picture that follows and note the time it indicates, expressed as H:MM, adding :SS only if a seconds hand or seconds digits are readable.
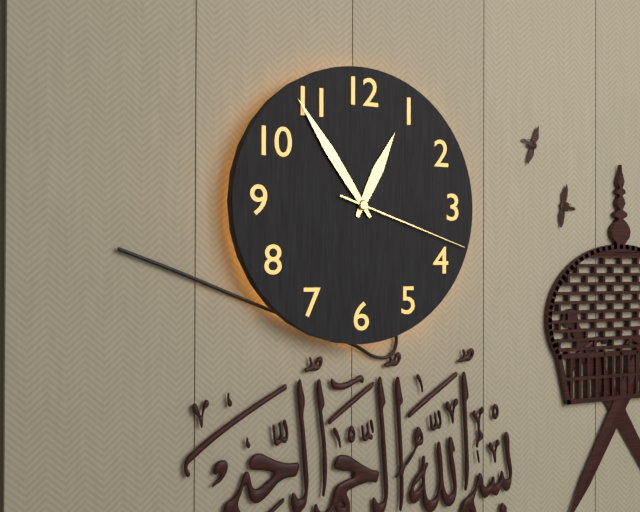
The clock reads 12:54:18
